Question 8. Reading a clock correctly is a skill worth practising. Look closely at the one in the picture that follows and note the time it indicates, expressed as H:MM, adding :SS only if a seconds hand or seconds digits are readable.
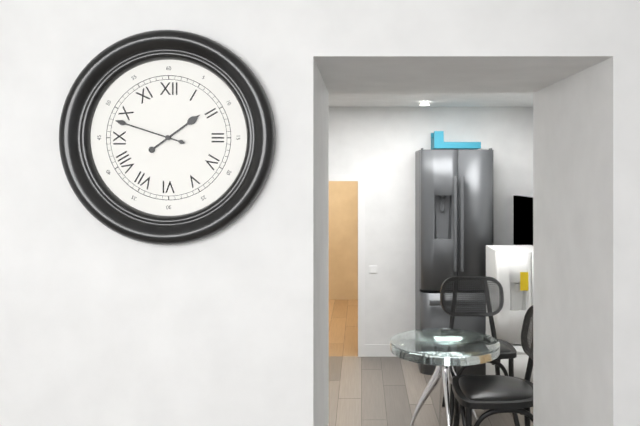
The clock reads 1:48
